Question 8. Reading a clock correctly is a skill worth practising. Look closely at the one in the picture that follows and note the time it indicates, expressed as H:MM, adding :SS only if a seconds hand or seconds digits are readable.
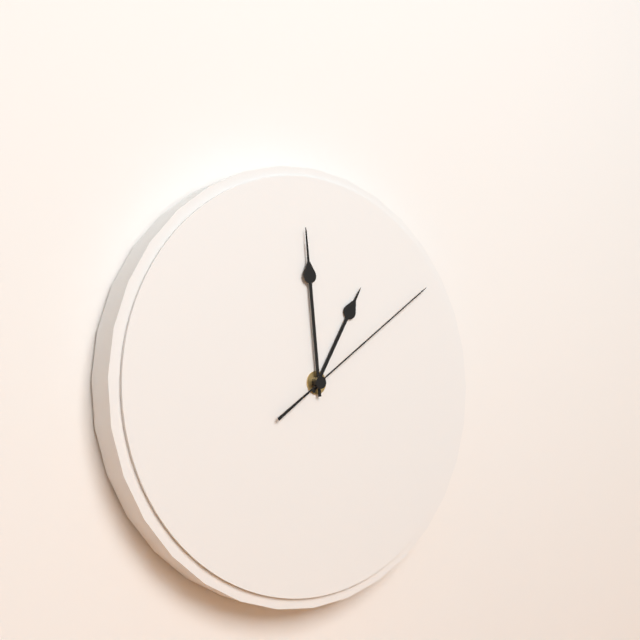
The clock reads 12:59:09
